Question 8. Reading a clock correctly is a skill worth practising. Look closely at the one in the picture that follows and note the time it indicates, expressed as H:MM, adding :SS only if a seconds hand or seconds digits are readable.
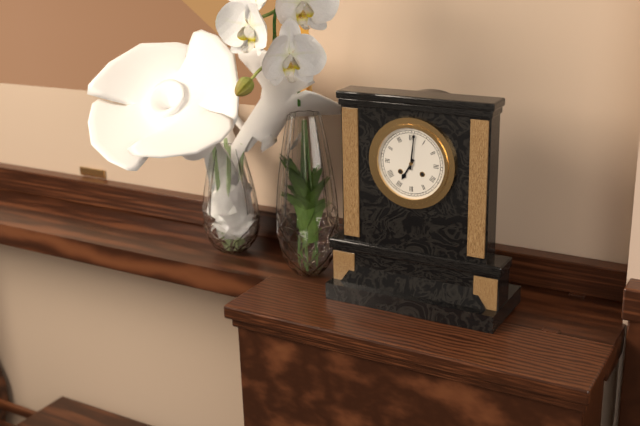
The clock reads 7:01
